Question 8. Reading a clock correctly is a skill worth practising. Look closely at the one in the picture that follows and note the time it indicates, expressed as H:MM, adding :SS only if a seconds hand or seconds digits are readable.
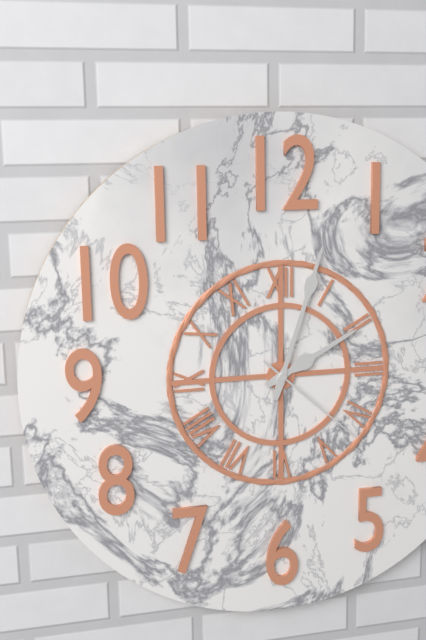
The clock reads 2:03:22
